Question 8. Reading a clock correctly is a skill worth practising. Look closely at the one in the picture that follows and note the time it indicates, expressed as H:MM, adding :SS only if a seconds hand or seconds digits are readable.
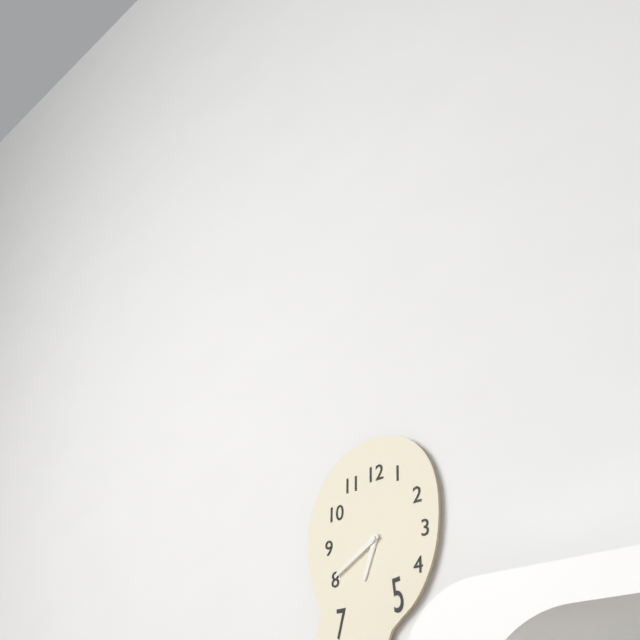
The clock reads 6:40
